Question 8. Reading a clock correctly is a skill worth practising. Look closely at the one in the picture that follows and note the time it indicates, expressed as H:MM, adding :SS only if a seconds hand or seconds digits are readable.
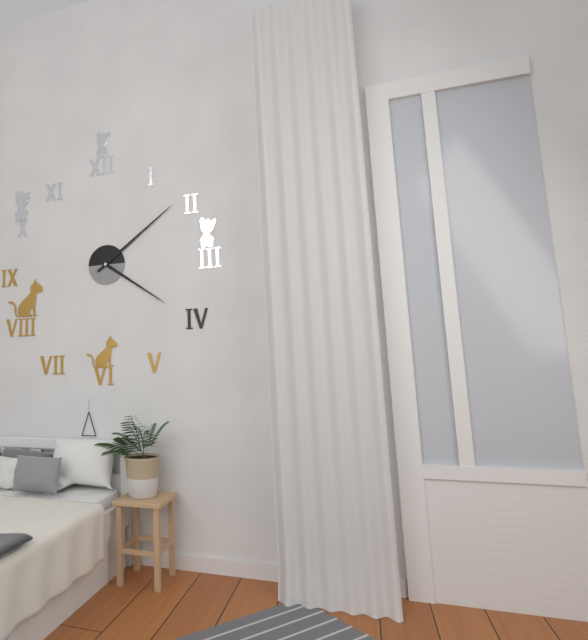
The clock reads 4:09
